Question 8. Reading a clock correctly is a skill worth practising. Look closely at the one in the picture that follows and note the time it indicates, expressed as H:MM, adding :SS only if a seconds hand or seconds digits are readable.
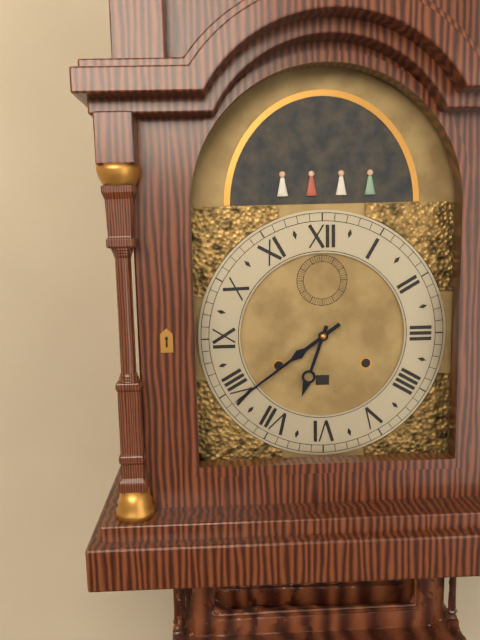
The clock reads 6:39
